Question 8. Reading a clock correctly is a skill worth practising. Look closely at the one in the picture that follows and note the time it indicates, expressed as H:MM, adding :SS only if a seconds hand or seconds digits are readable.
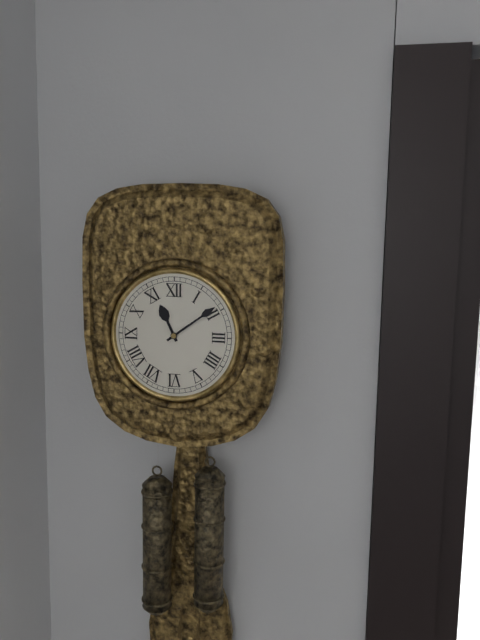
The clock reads 11:09
